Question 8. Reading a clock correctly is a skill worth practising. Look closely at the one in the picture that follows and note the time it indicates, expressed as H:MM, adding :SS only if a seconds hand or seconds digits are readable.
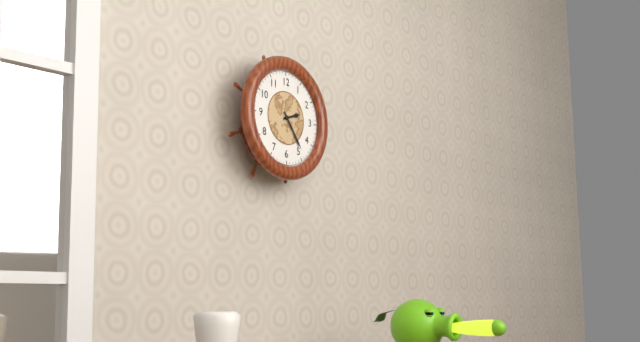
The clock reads 2:24
